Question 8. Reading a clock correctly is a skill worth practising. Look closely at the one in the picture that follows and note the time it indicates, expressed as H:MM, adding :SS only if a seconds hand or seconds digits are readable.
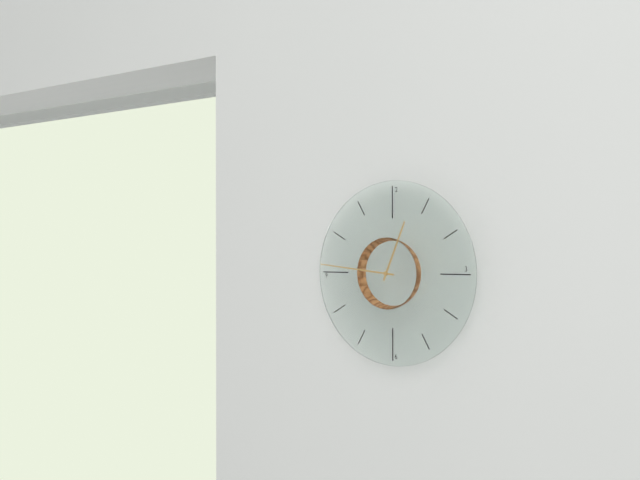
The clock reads 12:46
